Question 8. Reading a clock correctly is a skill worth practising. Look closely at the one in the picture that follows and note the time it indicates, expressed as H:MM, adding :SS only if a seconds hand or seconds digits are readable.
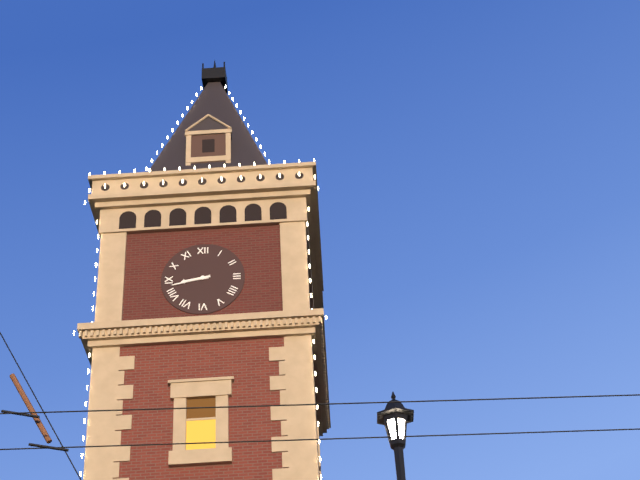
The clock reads 8:43
